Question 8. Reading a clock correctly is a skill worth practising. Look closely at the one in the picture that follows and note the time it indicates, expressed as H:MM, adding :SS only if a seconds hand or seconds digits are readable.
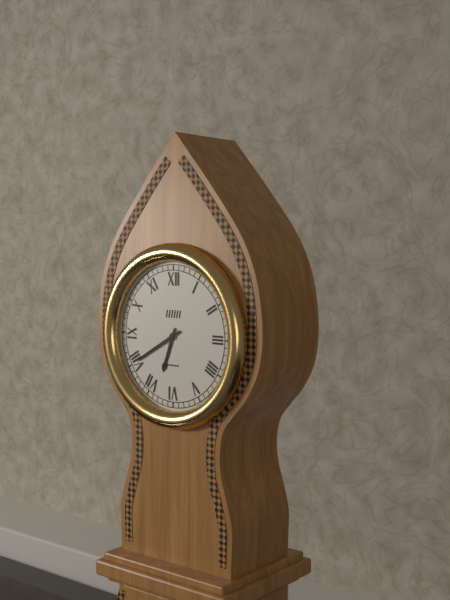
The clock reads 6:40
